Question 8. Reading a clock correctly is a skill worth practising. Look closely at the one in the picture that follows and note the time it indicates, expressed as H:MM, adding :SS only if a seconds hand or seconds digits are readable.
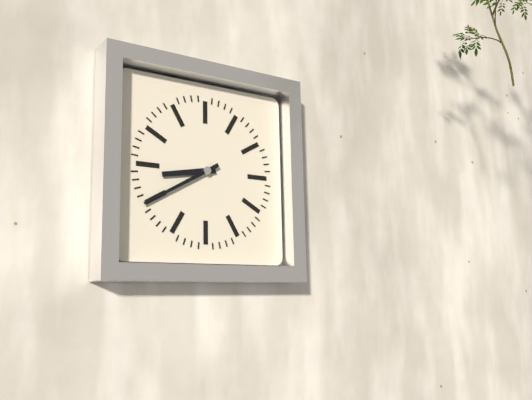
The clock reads 8:40
